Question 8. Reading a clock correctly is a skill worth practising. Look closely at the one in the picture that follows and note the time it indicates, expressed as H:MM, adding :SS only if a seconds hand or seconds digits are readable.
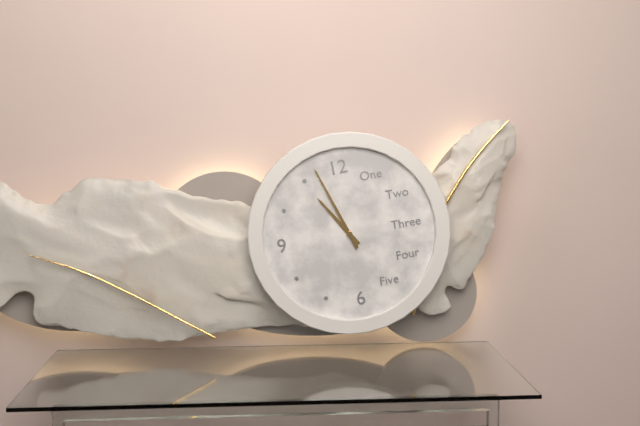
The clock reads 10:57
